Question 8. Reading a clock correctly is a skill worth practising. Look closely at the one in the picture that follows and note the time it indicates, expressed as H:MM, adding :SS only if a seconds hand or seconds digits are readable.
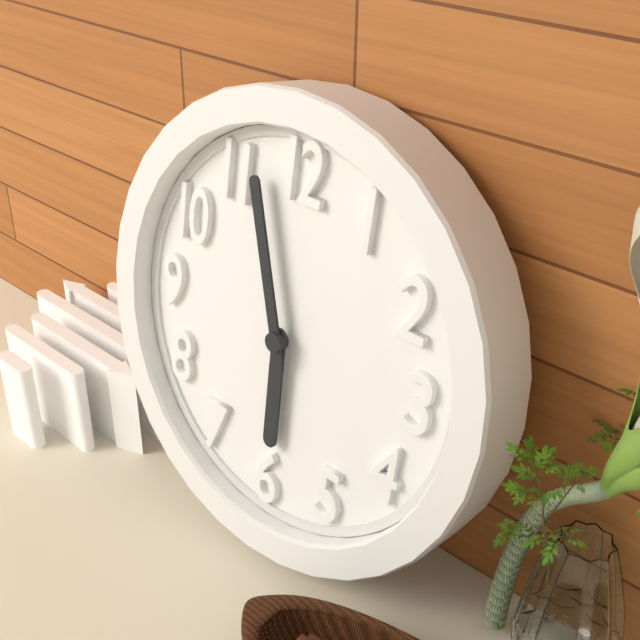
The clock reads 5:57
